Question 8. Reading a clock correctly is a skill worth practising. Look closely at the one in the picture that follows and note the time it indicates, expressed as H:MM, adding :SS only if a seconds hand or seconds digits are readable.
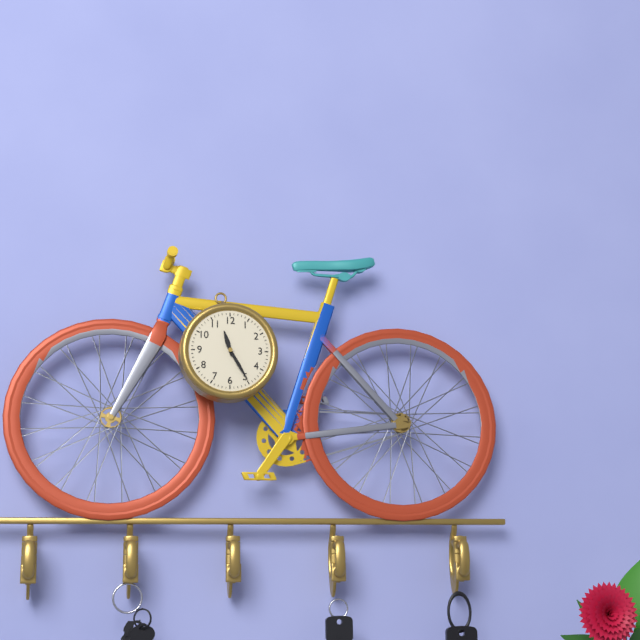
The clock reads 11:25
